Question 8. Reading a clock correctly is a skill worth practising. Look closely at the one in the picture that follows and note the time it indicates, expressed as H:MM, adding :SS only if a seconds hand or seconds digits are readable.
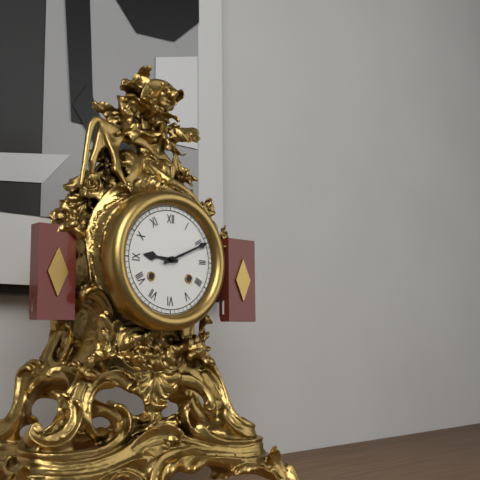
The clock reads 9:11
